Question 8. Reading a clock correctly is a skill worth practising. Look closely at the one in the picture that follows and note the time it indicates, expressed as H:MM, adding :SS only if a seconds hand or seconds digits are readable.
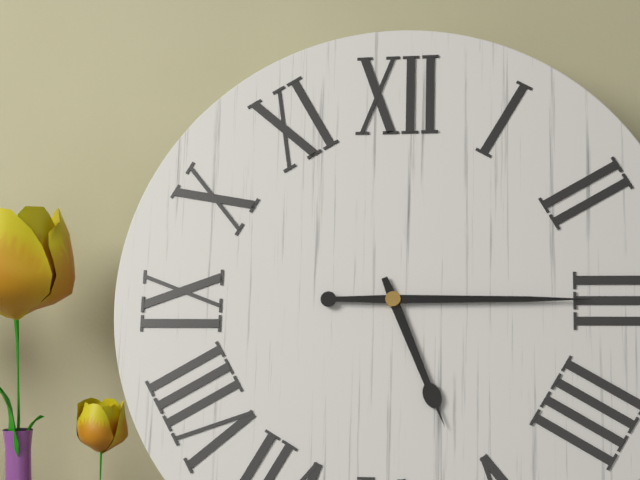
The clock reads 5:15
